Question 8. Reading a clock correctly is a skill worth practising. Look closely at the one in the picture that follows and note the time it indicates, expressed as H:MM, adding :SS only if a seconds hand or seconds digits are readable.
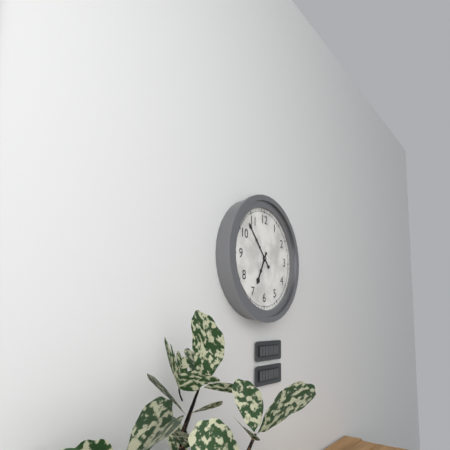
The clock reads 6:53
